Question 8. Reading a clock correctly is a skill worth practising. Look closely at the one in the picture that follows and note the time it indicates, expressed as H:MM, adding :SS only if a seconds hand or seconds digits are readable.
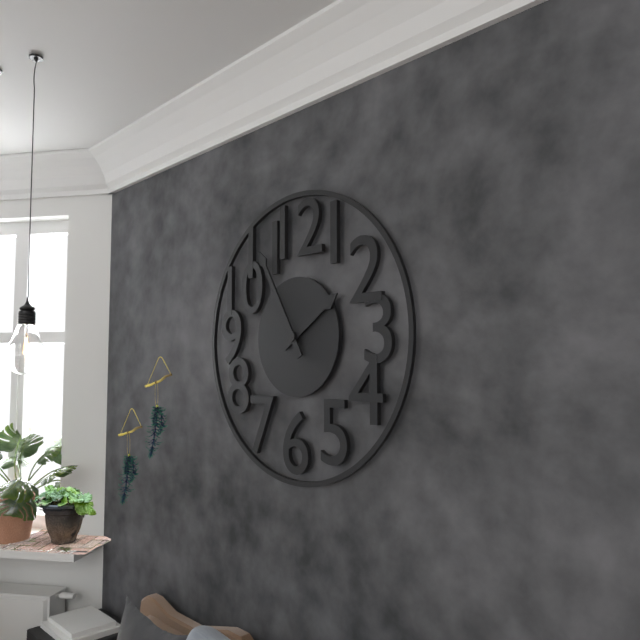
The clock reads 1:55
